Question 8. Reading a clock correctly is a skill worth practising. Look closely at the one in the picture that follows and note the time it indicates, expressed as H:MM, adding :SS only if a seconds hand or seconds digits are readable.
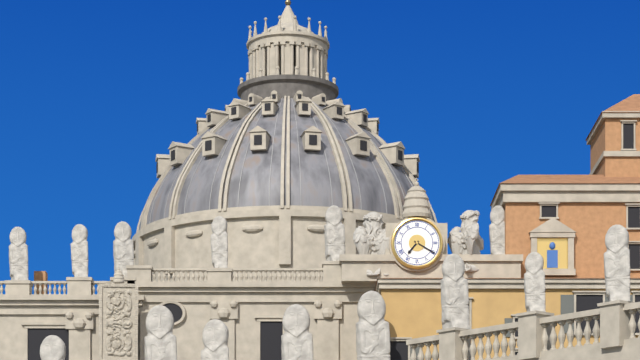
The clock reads 7:20
